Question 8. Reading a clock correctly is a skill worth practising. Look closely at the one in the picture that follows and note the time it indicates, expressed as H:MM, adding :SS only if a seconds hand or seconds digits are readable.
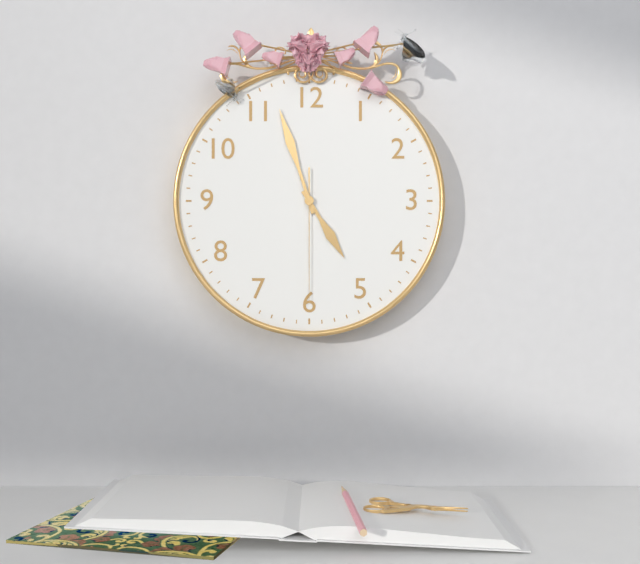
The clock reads 4:57:30
